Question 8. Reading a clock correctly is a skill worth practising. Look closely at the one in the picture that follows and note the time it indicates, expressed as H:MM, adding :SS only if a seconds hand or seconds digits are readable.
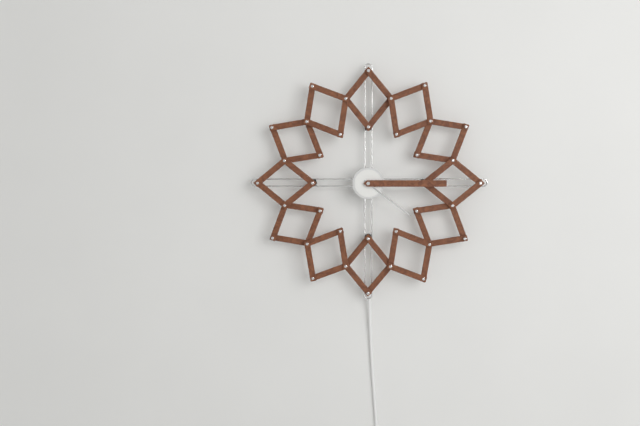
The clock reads 4:15
